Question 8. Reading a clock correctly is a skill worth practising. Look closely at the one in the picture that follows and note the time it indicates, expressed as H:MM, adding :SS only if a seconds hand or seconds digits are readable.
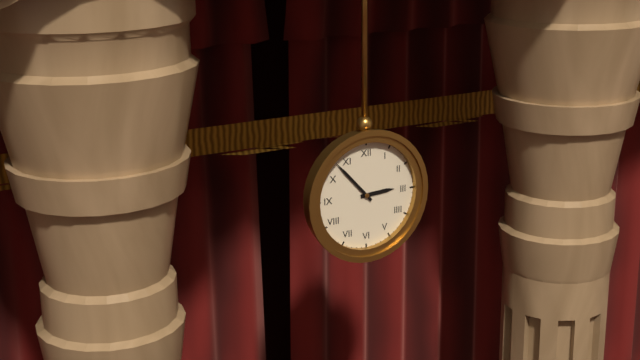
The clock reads 2:53
